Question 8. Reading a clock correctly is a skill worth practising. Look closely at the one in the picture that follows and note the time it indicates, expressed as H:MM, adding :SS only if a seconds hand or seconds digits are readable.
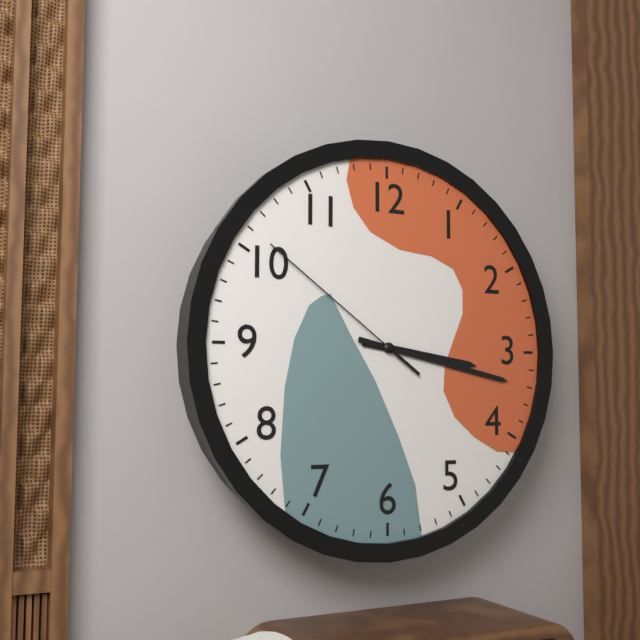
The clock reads 3:17:51
